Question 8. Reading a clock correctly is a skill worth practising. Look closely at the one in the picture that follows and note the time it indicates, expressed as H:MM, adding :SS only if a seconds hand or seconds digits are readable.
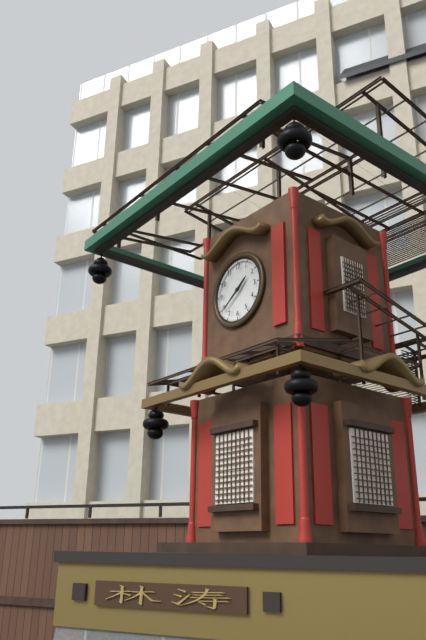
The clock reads 1:39
